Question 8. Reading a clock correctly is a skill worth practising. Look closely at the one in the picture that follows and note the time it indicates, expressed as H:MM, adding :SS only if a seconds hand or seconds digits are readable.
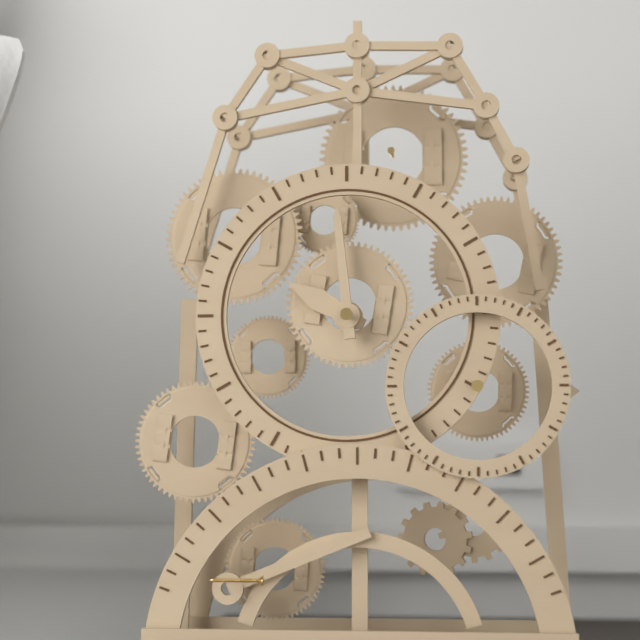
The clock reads 9:59
